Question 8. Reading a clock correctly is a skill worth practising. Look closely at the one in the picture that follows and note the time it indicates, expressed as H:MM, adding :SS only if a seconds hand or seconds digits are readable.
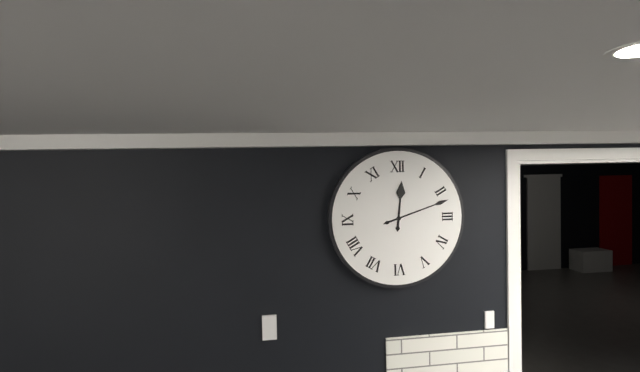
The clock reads 12:12
